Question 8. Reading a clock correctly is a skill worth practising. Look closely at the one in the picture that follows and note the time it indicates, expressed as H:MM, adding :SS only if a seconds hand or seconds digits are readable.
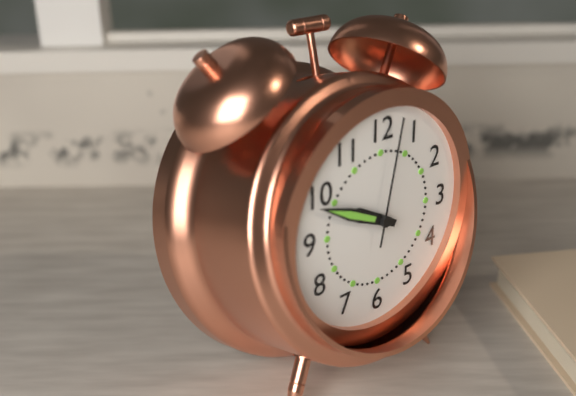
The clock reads 9:49:02
